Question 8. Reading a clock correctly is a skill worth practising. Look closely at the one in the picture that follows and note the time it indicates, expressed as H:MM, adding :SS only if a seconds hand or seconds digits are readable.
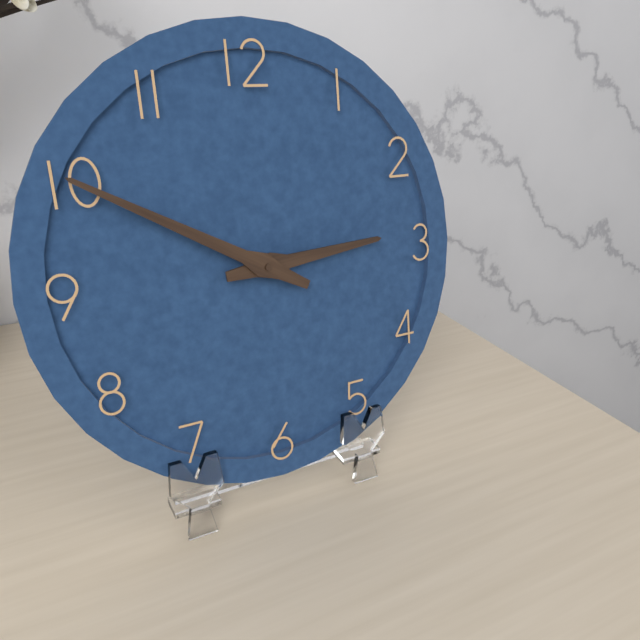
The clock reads 2:50
